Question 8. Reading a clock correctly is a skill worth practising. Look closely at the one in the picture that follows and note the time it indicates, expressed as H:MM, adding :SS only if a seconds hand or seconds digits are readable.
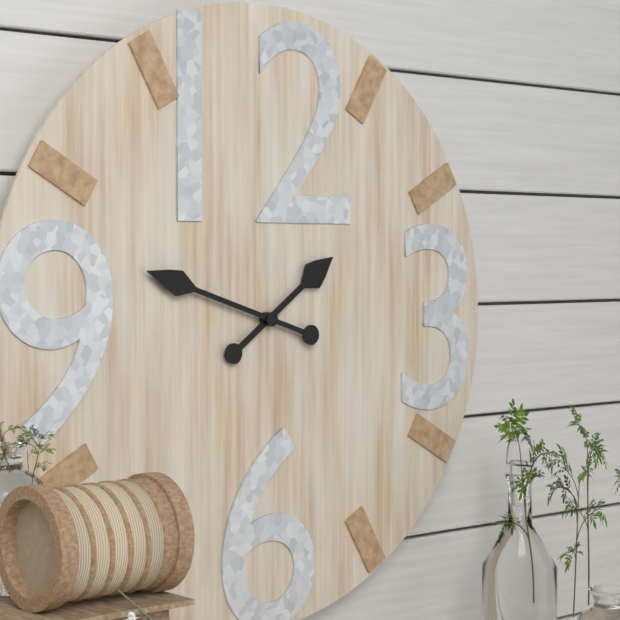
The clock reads 1:48
